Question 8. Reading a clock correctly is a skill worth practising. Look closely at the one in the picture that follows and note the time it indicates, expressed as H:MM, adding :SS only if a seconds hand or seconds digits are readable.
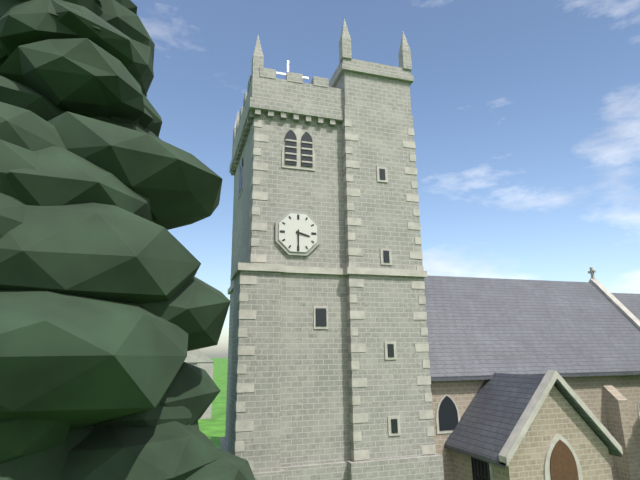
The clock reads 3:30
